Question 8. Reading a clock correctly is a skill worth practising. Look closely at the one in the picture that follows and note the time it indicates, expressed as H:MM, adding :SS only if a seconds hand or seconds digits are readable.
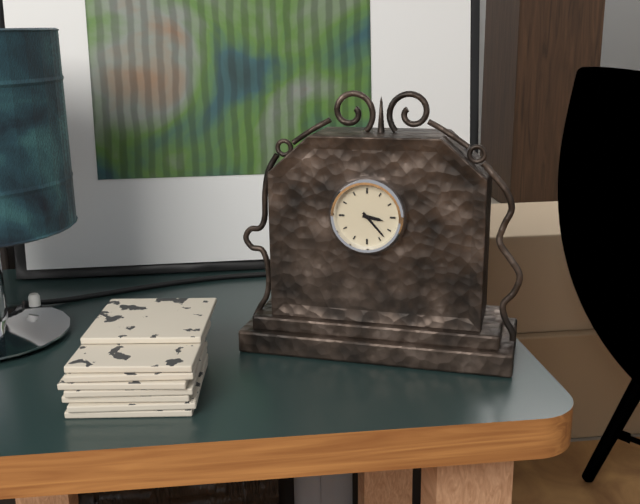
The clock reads 3:23
